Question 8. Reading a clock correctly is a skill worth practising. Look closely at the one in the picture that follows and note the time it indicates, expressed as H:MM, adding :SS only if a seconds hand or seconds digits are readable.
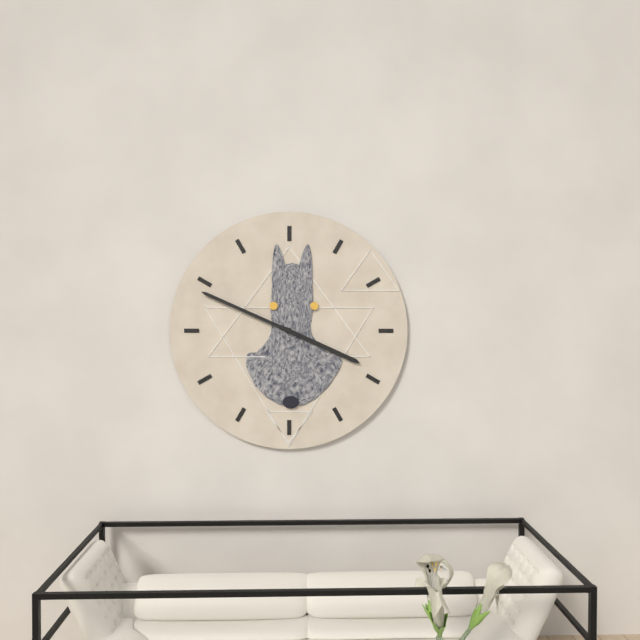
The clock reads 3:49
